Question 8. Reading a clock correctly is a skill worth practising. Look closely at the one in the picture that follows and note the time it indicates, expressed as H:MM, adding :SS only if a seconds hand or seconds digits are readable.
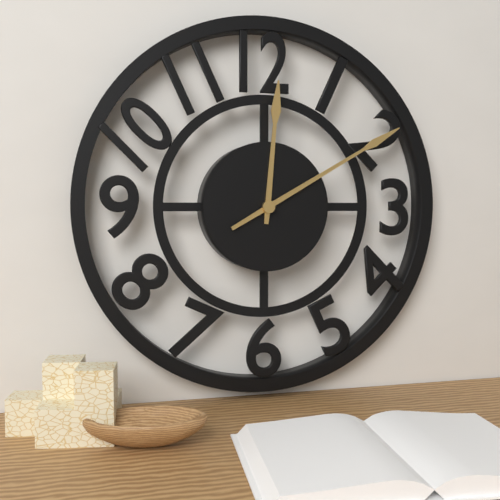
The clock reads 12:10
